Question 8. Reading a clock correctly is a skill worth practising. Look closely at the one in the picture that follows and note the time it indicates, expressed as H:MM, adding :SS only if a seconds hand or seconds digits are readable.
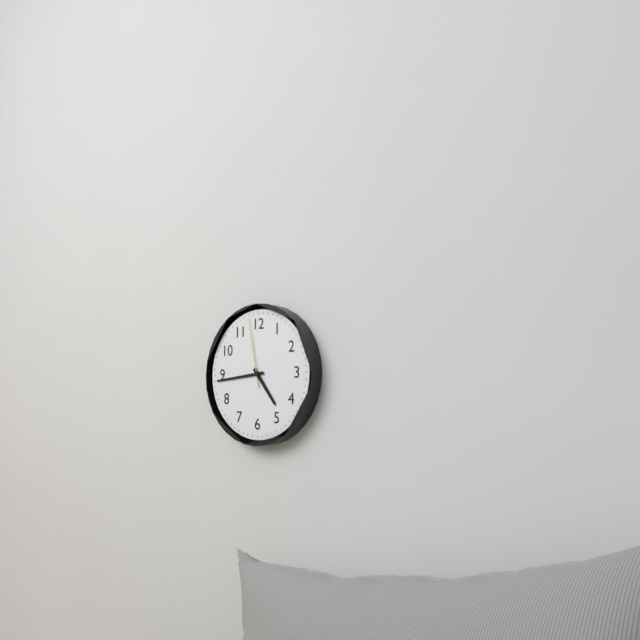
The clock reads 4:44:58
